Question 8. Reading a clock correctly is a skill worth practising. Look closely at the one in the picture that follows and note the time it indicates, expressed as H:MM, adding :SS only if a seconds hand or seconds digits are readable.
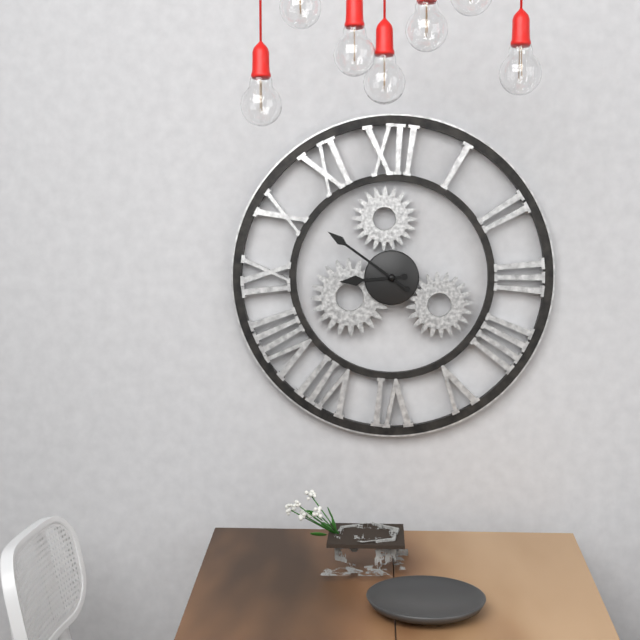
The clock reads 8:51
